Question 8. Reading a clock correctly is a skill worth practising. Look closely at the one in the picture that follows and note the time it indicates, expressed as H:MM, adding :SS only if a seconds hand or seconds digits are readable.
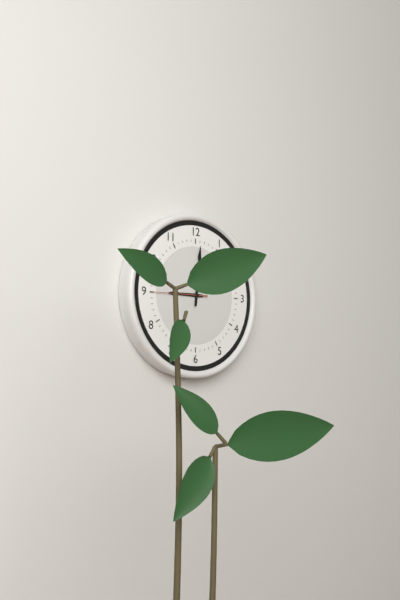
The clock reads 9:01:45
